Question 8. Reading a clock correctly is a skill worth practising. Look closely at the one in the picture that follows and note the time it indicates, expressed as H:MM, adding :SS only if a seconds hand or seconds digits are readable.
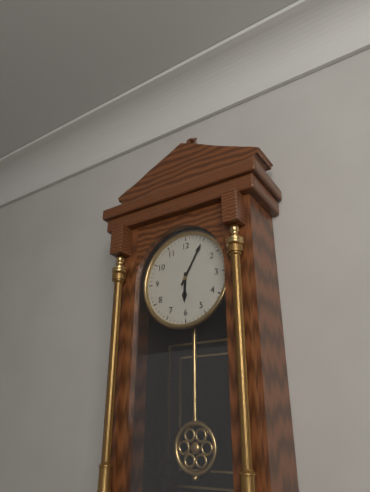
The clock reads 6:05
